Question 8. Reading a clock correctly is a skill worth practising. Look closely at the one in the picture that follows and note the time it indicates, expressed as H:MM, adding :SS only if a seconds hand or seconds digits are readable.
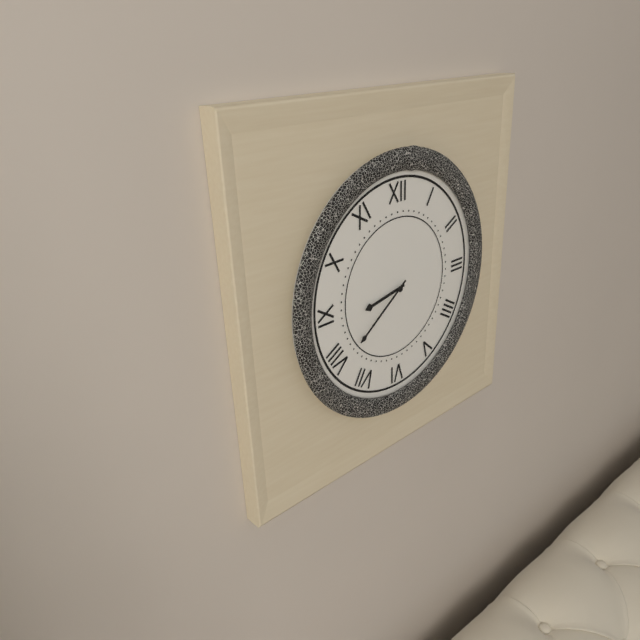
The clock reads 8:39
